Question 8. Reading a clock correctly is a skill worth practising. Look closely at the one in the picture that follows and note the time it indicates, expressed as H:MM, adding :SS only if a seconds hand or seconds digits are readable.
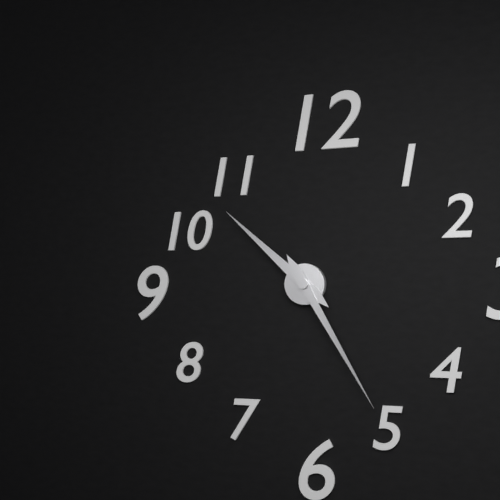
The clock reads 10:25
